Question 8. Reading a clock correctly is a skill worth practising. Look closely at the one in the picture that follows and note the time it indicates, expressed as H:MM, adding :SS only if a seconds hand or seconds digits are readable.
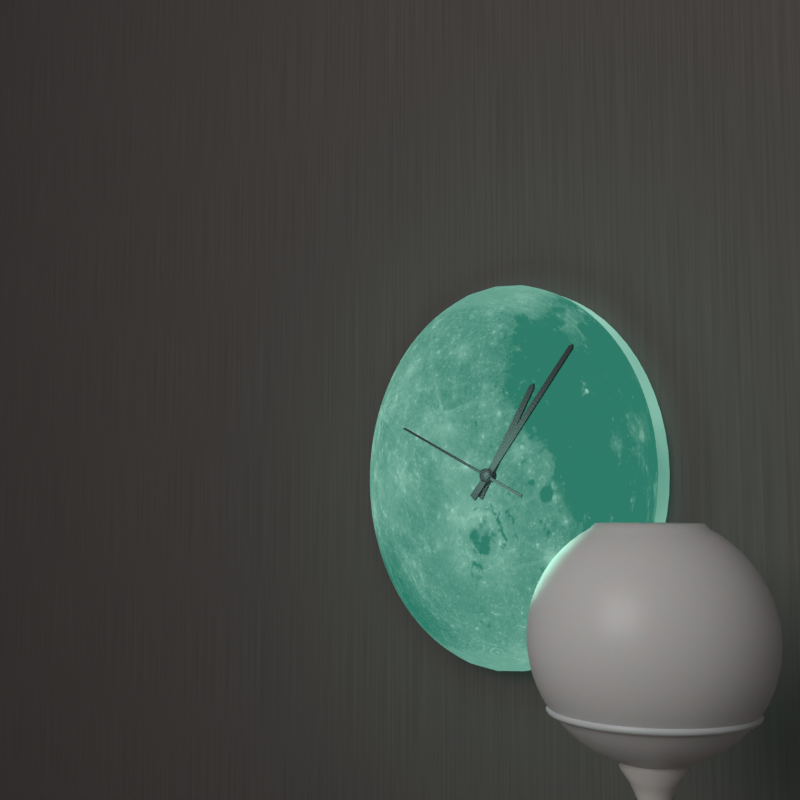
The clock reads 1:07:49
